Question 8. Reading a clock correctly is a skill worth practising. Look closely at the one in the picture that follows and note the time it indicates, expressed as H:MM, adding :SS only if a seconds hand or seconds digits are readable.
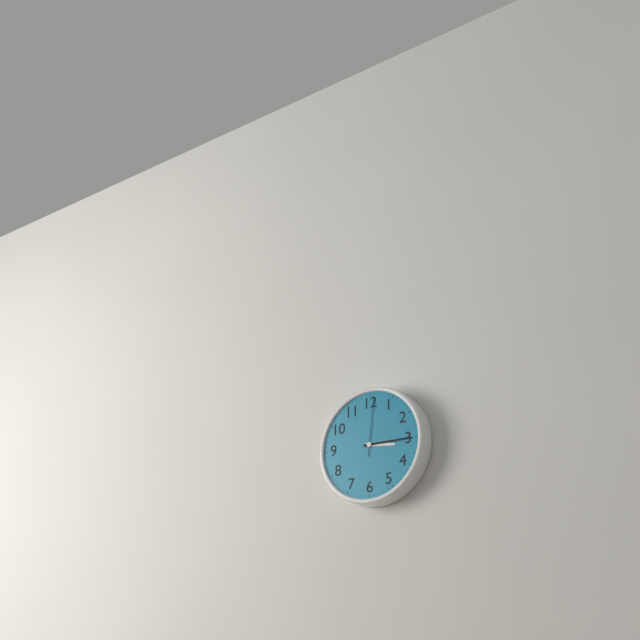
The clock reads 3:15:01
